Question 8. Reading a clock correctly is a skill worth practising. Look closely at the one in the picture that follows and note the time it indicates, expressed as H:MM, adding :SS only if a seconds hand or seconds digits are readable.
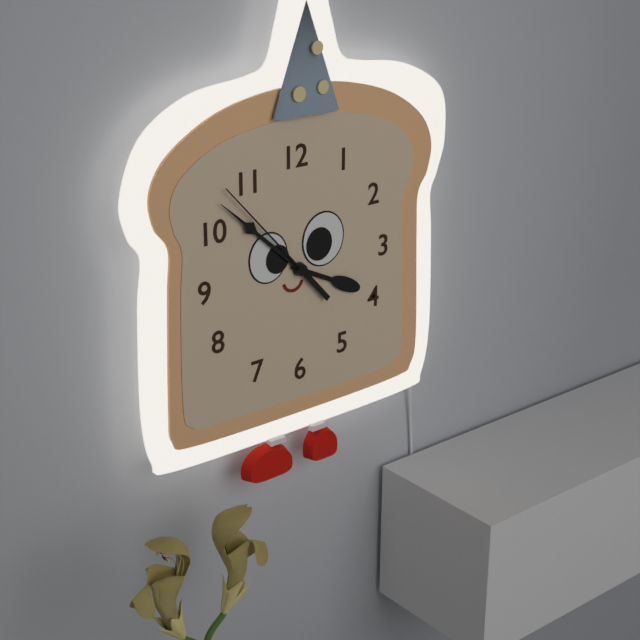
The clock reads 3:52:53
